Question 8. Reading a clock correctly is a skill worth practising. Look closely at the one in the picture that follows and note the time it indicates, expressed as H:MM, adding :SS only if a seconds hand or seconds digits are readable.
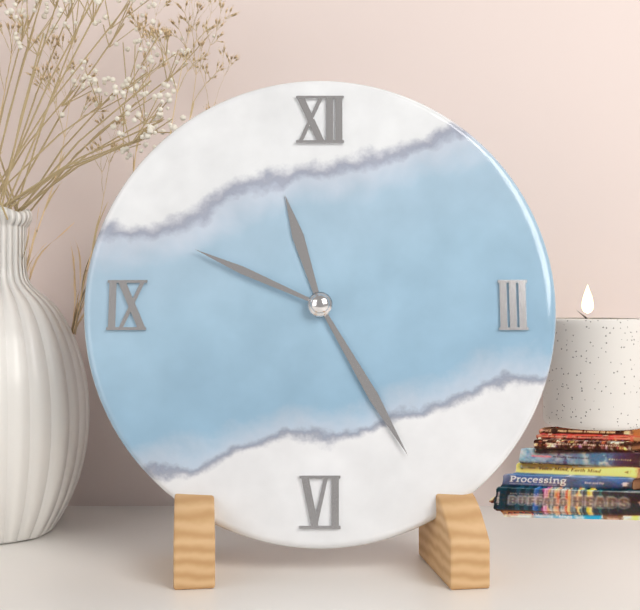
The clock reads 11:25:49
